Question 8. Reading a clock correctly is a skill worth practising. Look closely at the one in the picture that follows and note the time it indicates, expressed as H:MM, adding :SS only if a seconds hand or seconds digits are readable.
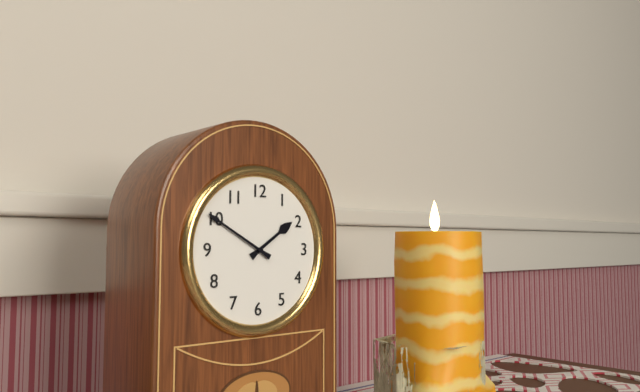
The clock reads 1:50
